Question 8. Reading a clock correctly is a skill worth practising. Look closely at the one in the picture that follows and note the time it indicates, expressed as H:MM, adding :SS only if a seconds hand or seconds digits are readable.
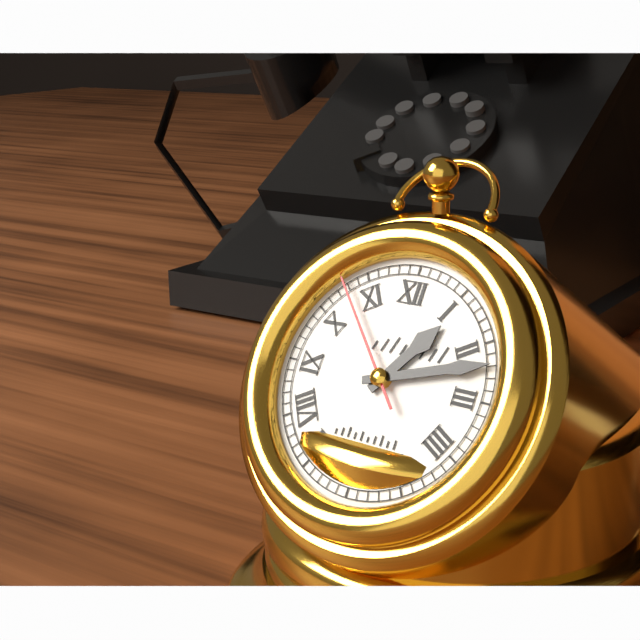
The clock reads 1:12:53
